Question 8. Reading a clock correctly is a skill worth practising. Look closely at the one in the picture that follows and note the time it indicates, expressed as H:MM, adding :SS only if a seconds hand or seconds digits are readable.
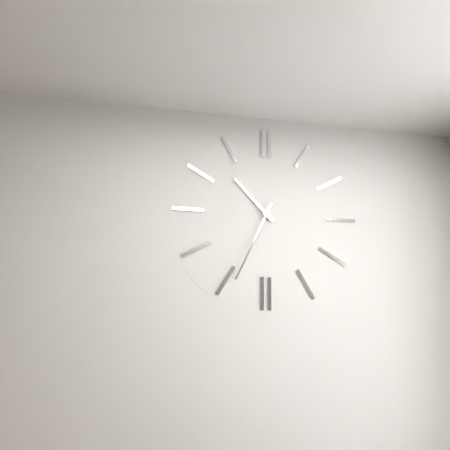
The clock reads 10:34
